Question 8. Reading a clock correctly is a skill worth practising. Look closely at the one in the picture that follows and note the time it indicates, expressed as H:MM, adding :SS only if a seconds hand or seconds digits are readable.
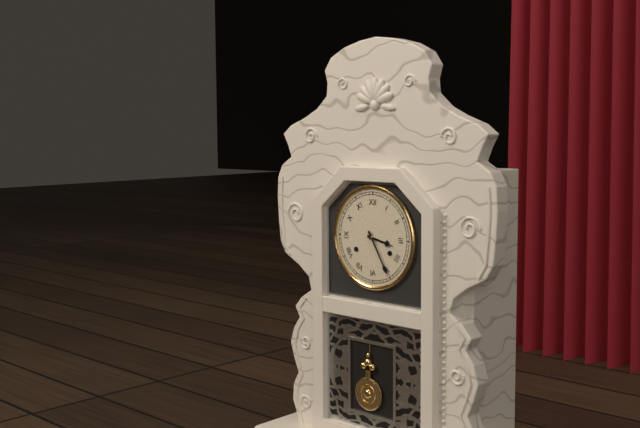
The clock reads 3:25
